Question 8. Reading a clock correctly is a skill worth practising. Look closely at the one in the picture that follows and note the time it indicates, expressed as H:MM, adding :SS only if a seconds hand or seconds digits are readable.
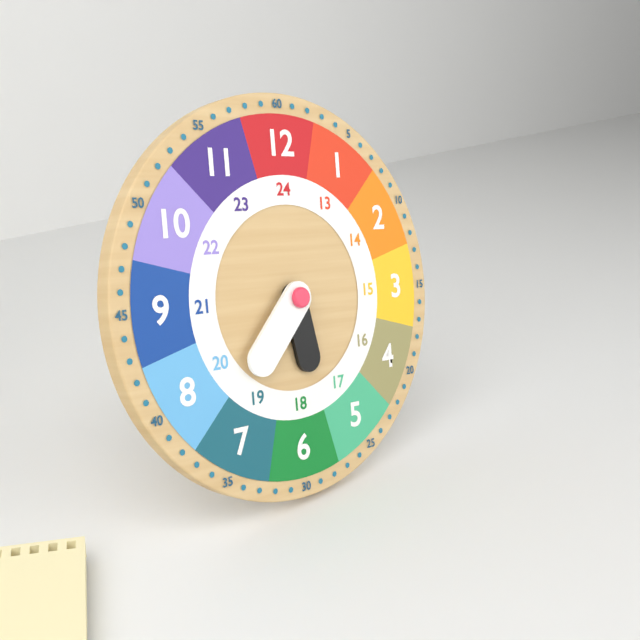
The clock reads 5:37
